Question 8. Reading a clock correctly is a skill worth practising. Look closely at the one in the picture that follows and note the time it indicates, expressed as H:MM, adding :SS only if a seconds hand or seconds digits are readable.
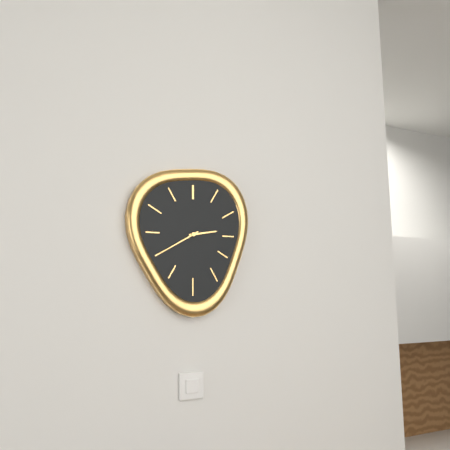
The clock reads 2:40
